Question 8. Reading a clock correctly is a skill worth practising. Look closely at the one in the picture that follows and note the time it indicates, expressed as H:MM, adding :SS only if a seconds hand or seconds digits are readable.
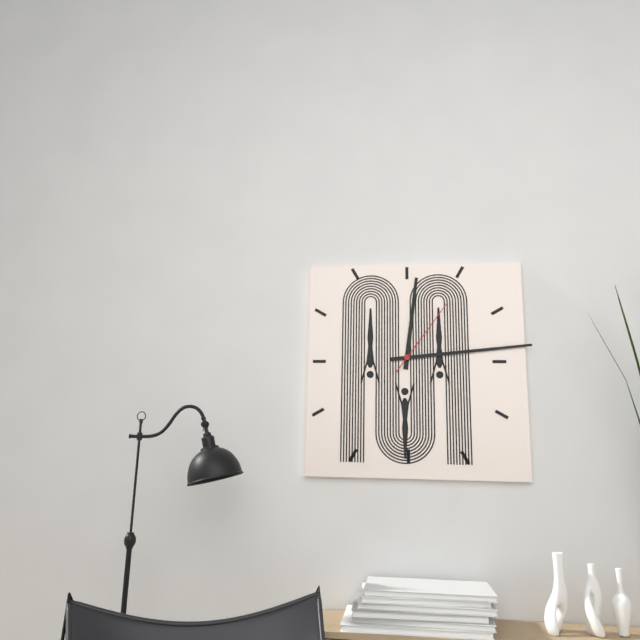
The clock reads 12:14:06
